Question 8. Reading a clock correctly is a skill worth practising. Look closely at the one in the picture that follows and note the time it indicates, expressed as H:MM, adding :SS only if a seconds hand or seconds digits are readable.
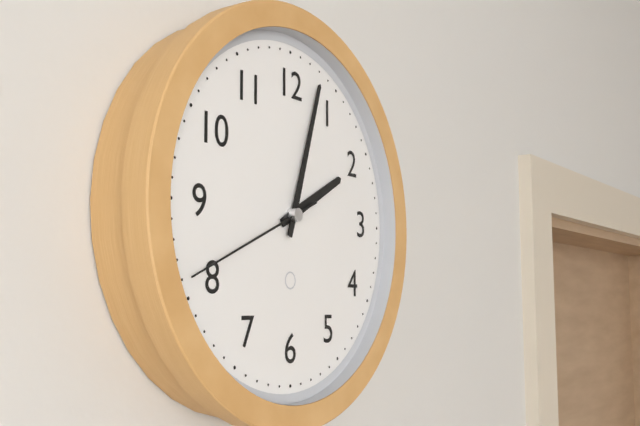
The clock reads 2:03:41
